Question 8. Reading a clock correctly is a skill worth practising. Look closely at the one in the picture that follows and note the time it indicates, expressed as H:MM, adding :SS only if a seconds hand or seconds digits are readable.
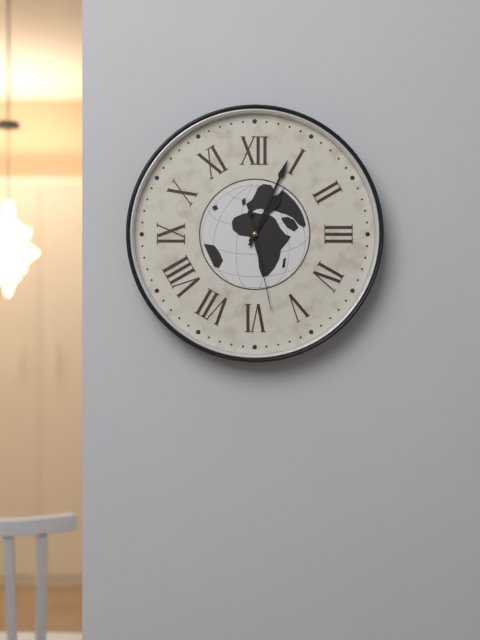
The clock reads 1:04:28
